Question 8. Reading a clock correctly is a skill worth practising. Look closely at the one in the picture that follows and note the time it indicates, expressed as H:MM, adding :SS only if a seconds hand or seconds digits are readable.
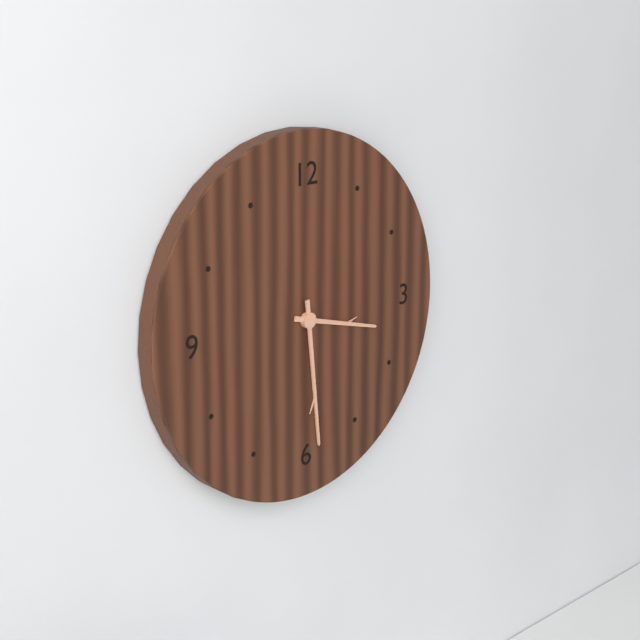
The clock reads 3:29
